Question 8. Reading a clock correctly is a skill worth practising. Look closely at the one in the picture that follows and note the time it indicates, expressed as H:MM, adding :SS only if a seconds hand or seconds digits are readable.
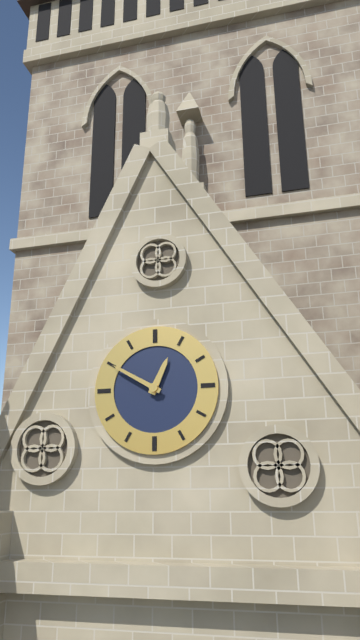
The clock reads 12:50
